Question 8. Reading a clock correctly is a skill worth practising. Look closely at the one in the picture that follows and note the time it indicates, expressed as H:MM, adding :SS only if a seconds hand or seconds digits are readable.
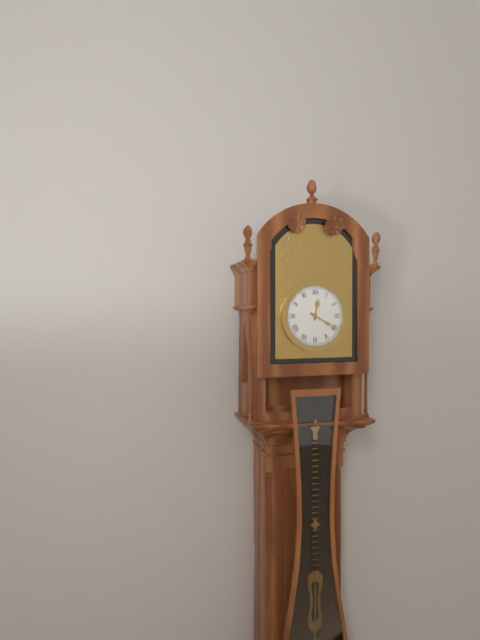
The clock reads 12:20
